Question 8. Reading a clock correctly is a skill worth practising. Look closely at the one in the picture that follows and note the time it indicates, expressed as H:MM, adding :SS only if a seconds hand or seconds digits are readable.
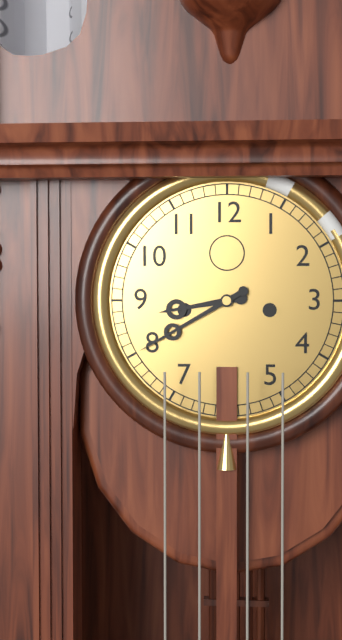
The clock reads 8:40
